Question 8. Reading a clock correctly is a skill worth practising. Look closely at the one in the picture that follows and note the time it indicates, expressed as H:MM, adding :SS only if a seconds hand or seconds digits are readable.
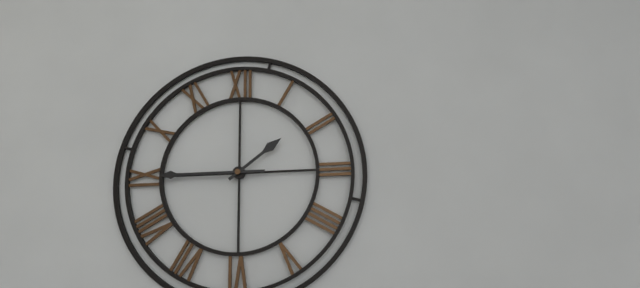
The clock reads 1:45
